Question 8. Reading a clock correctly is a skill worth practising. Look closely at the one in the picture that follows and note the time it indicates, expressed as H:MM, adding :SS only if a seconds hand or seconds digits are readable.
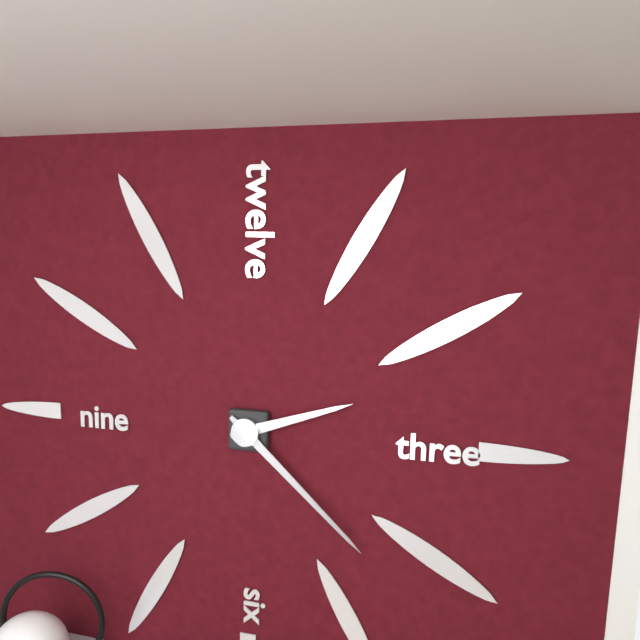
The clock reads 2:22
